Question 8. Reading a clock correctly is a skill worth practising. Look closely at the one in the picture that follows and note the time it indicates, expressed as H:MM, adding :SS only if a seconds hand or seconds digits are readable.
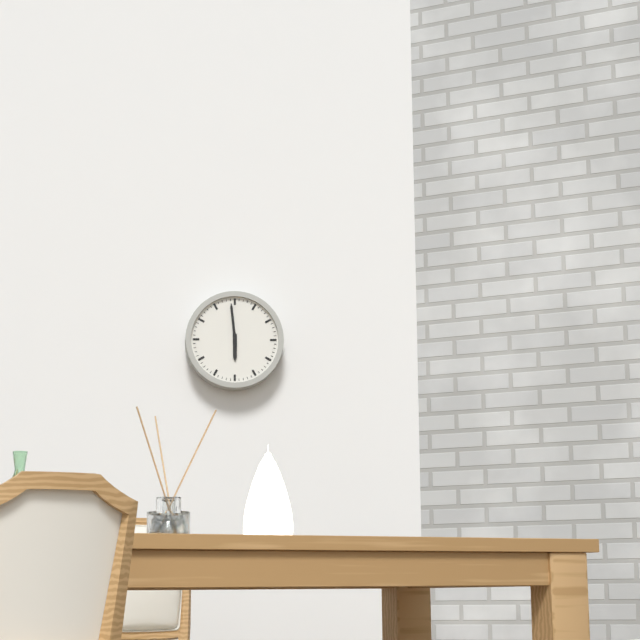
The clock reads 5:59
